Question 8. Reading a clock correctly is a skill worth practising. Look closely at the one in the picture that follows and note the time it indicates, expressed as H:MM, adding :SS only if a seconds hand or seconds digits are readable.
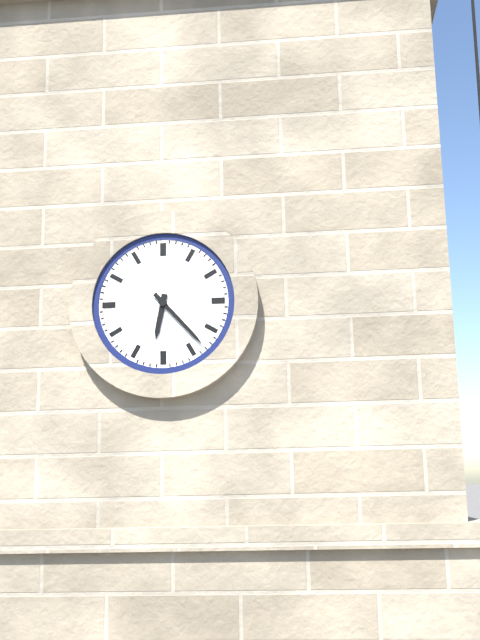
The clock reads 6:23
